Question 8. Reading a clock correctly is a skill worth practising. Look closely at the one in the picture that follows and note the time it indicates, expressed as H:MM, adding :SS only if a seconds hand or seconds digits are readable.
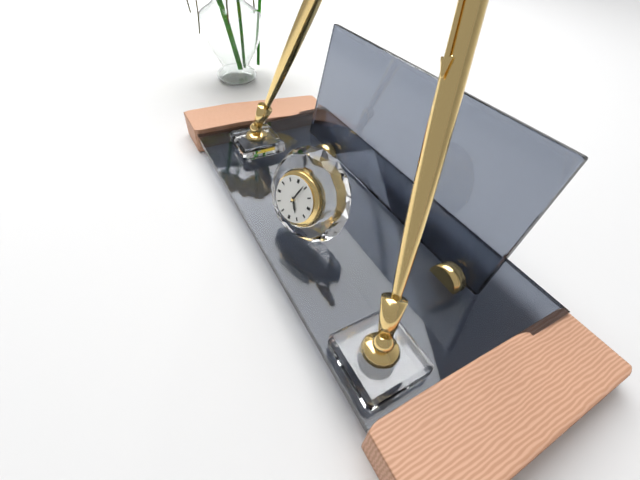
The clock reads 5:04
